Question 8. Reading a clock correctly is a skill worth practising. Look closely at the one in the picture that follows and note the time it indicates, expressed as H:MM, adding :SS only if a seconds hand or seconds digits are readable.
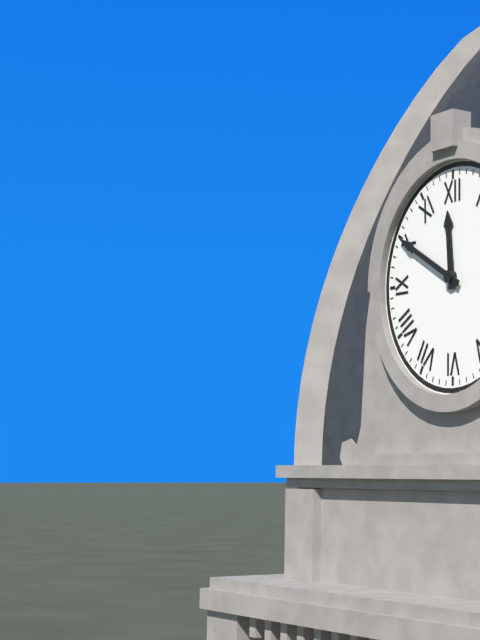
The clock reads 11:50
